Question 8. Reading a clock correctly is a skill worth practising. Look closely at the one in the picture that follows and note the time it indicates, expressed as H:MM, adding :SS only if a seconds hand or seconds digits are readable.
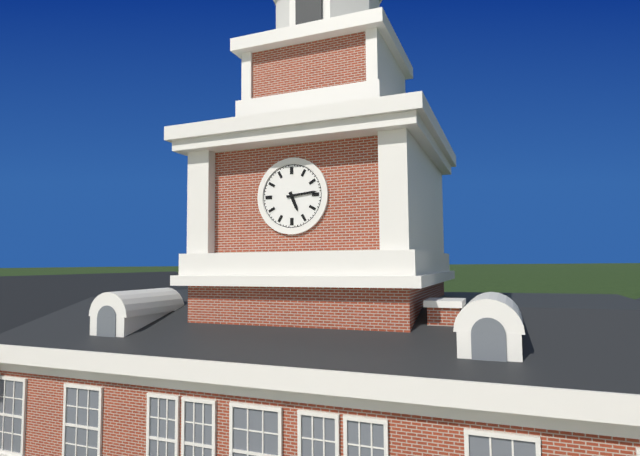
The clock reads 5:14
